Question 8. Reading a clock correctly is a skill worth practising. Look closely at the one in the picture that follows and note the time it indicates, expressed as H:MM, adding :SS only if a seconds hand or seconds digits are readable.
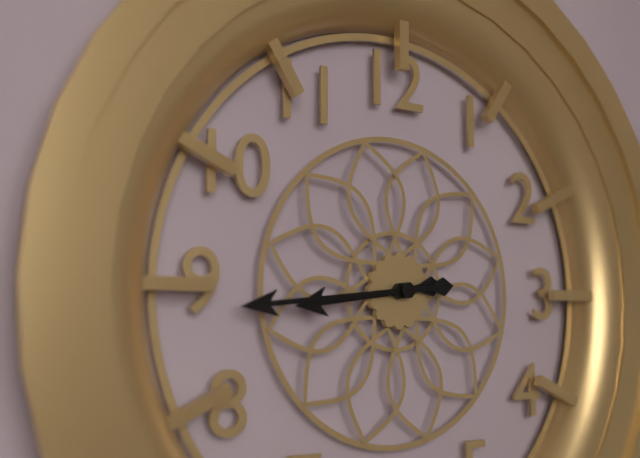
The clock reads 8:44
